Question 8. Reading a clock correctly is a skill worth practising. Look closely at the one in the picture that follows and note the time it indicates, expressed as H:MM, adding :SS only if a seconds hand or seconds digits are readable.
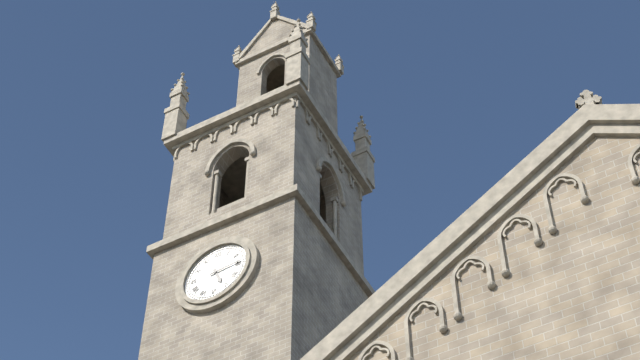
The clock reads 5:14
